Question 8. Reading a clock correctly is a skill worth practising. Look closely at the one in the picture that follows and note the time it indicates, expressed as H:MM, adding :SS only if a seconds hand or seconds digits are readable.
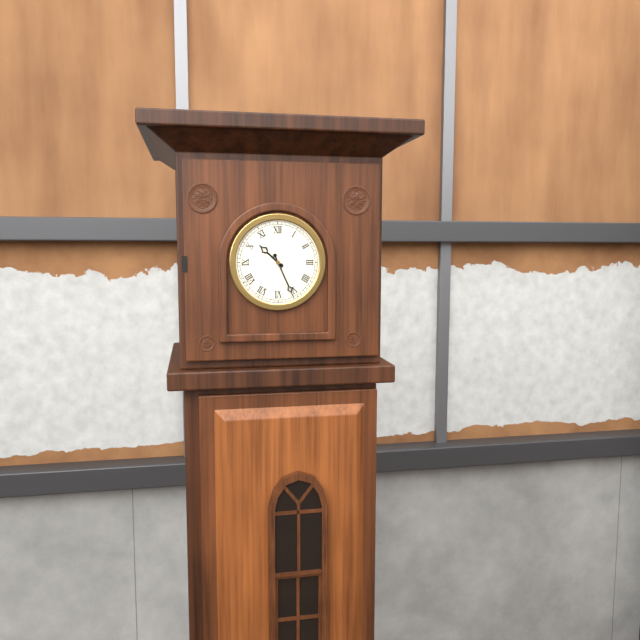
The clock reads 10:26
